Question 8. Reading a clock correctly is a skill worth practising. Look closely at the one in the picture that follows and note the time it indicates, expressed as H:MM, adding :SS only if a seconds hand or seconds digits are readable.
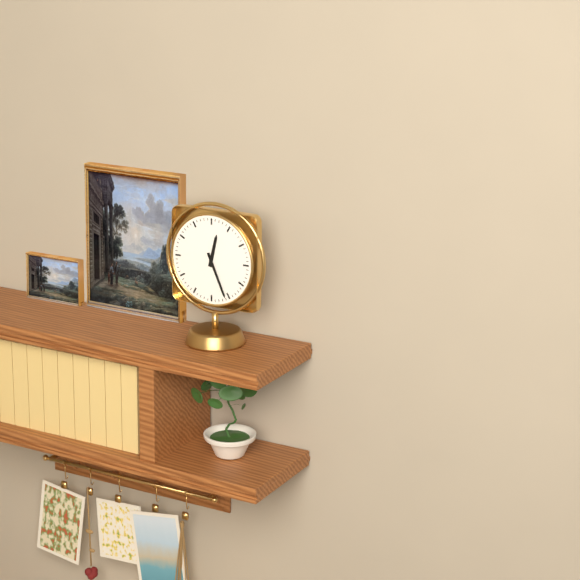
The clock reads 12:26
